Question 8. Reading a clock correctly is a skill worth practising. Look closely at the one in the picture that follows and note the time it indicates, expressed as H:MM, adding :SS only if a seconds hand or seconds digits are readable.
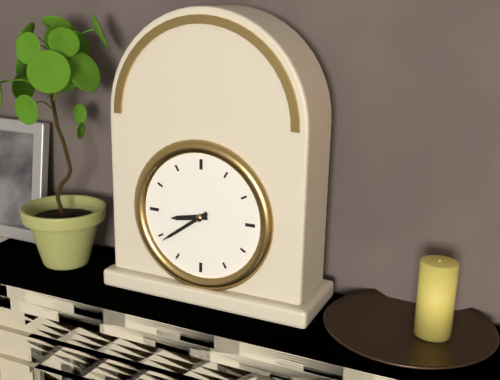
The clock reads 8:39
